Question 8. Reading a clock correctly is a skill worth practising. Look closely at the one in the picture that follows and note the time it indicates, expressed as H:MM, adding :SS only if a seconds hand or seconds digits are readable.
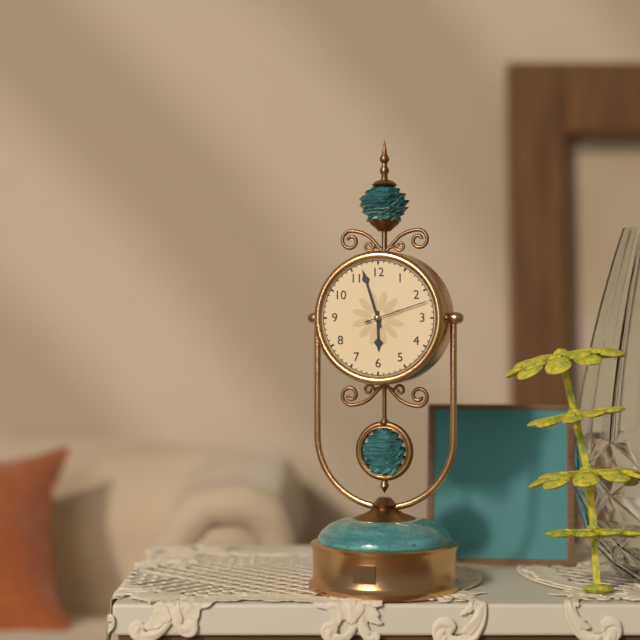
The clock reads 5:57:12
